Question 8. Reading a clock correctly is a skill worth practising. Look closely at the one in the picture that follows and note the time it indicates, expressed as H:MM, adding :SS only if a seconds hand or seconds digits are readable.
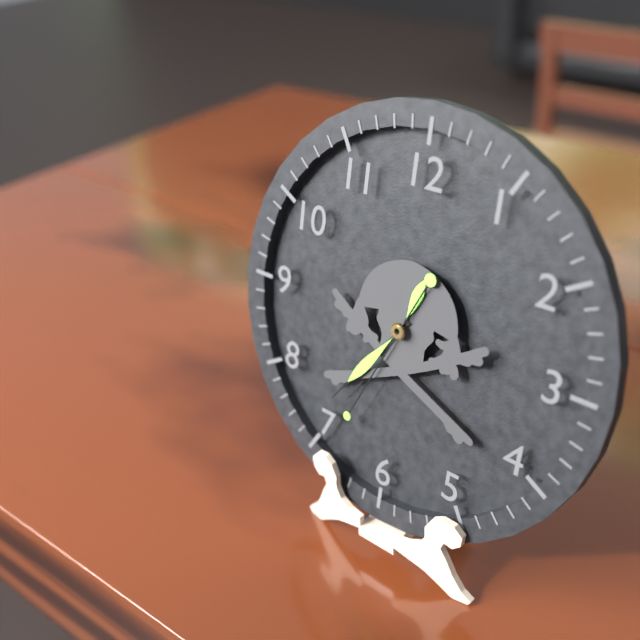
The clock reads 12:36:34
